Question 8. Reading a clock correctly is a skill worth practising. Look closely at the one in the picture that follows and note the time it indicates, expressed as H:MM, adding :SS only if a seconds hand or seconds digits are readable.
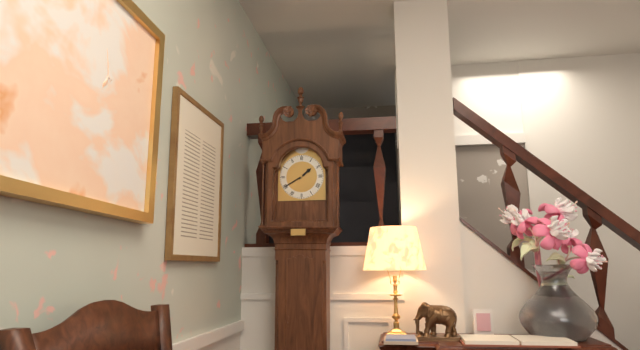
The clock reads 1:40
